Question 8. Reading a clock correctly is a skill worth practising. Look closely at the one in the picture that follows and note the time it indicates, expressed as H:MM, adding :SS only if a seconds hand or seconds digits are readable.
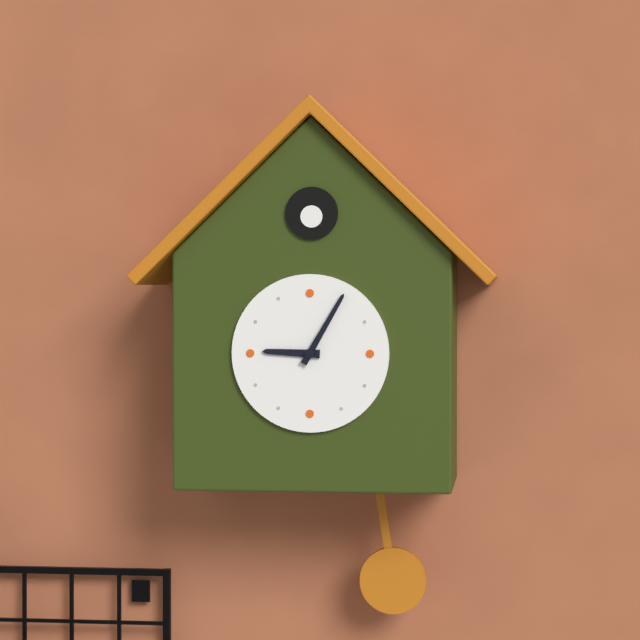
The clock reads 9:05
